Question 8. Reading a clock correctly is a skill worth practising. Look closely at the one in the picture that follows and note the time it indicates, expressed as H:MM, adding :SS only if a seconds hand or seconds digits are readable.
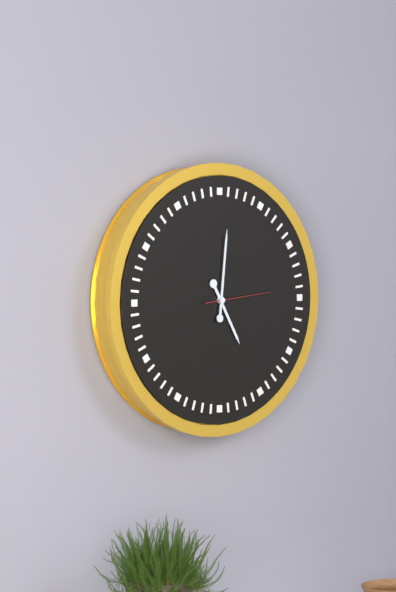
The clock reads 5:01:14
